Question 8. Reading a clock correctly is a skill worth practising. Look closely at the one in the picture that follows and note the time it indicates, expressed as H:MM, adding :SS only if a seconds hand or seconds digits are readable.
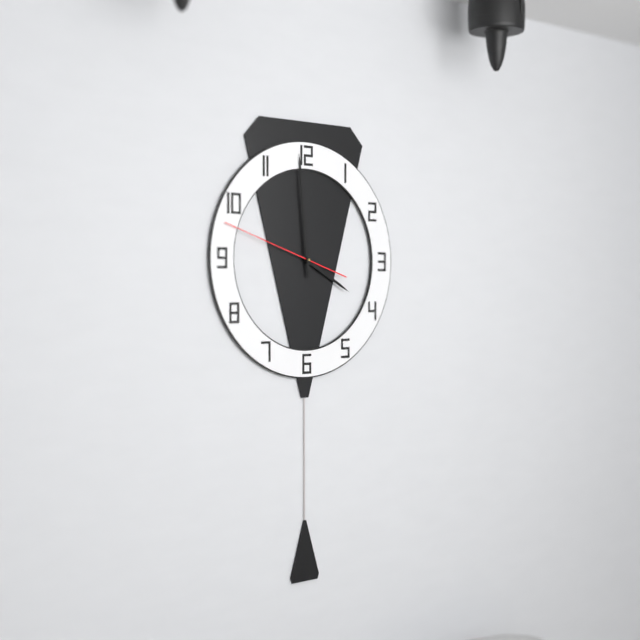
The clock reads 3:59:48
